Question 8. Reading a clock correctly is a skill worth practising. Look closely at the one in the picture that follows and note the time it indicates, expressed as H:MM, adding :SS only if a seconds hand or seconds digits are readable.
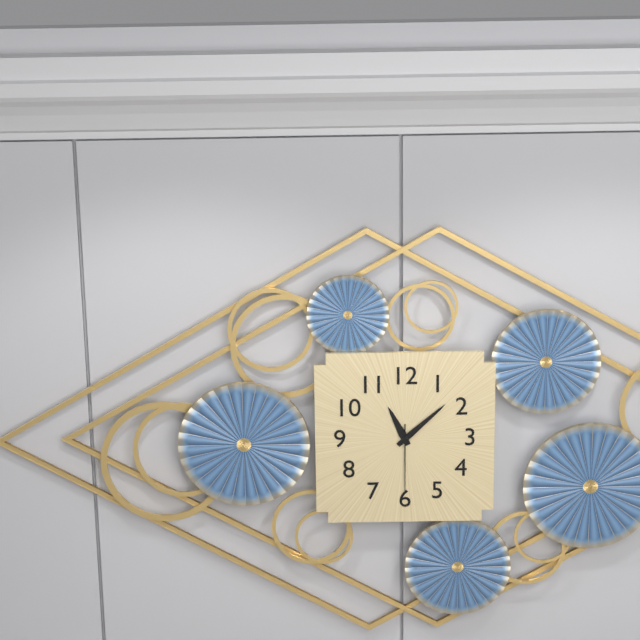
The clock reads 11:08:30
